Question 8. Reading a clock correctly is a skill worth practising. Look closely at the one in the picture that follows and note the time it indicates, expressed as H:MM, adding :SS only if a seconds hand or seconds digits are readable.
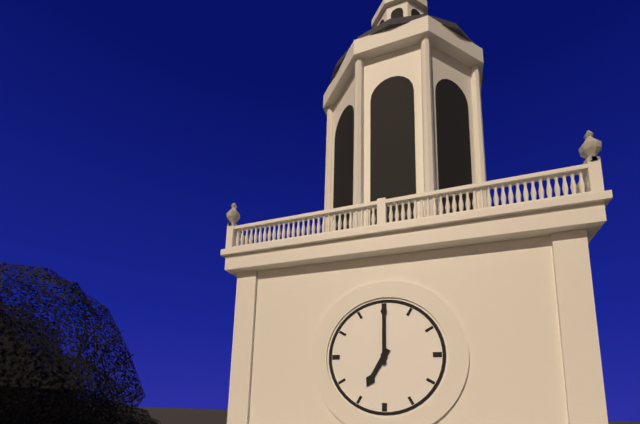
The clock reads 7:00
